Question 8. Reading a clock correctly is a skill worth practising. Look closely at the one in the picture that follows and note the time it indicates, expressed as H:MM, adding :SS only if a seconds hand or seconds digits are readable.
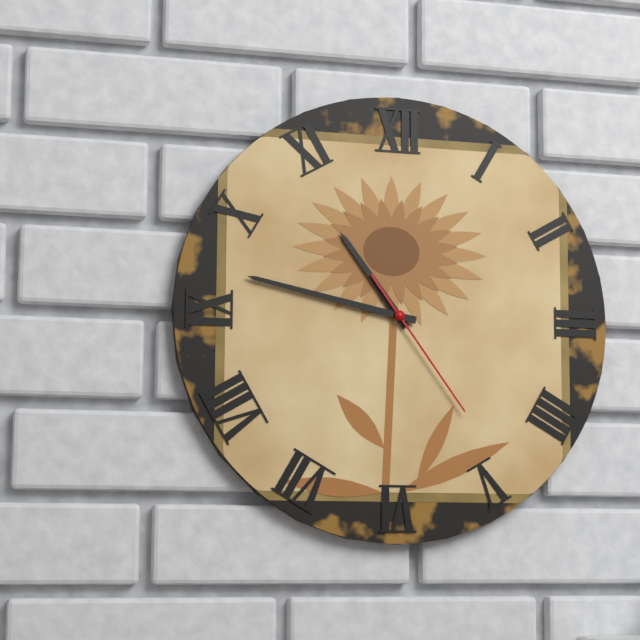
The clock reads 10:47:24
